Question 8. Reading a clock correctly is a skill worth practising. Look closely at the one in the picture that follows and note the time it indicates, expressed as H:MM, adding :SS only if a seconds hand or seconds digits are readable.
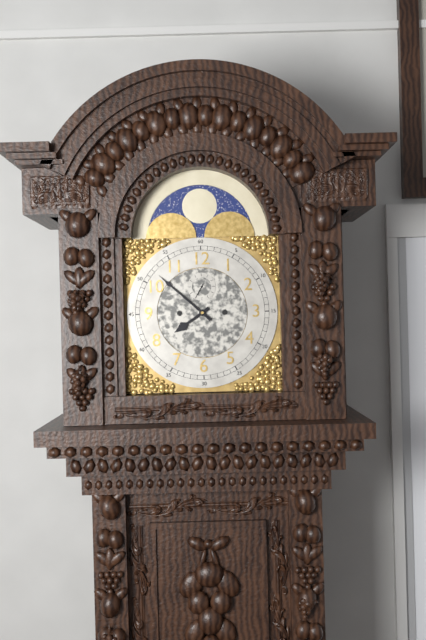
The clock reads 7:52
